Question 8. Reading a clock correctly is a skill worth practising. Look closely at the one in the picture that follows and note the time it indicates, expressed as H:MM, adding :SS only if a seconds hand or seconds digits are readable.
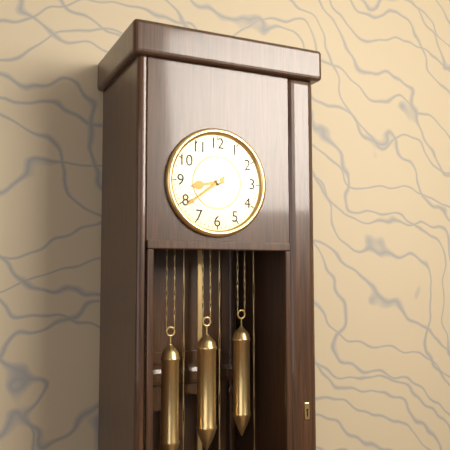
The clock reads 8:39
